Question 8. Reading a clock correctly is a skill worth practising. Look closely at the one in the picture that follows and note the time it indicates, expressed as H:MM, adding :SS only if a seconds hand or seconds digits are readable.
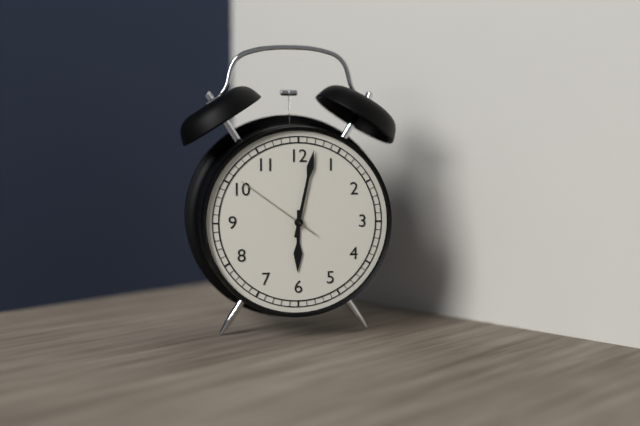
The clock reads 6:02:51
